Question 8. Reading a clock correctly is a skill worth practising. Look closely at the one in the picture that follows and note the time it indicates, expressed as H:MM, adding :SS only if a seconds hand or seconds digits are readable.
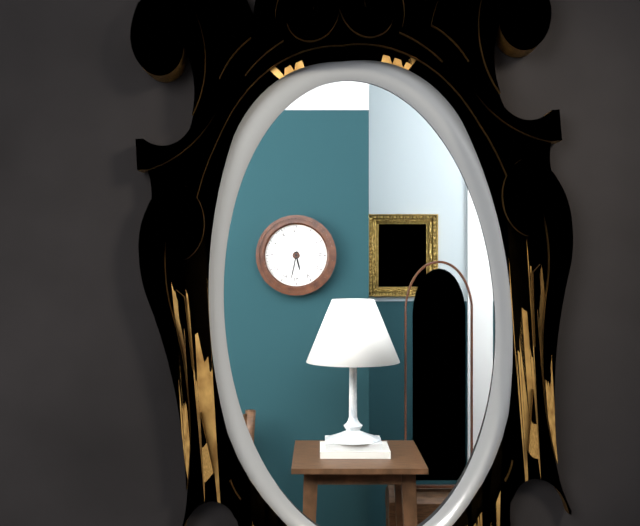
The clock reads 5:32
